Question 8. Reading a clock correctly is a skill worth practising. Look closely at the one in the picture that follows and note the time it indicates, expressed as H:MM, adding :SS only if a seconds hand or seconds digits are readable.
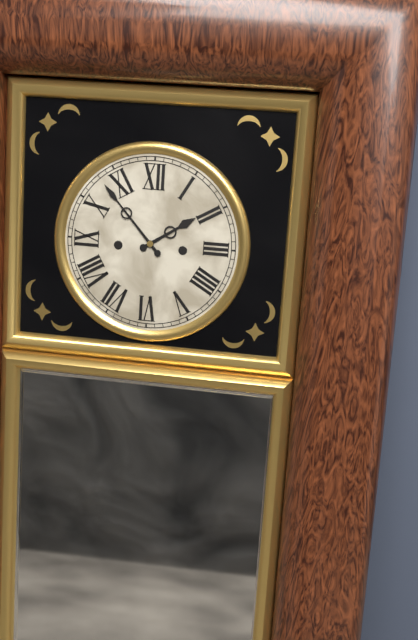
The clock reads 1:53
